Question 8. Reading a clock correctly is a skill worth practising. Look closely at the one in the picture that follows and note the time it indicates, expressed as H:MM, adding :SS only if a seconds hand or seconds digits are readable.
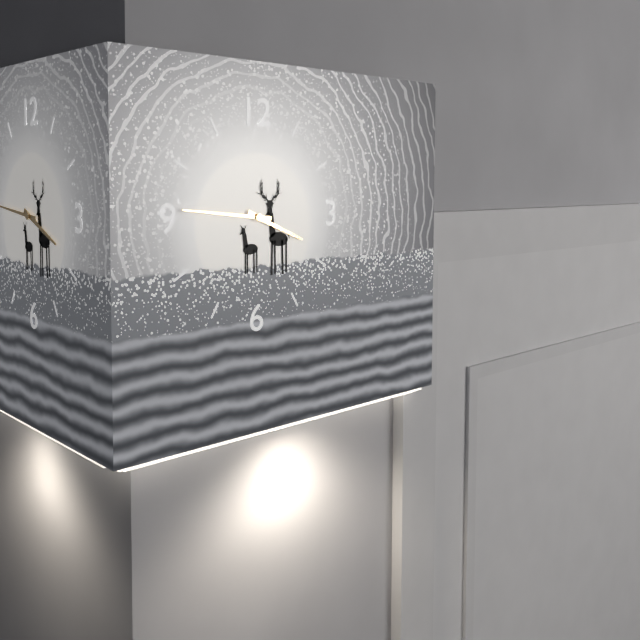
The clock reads 3:46
